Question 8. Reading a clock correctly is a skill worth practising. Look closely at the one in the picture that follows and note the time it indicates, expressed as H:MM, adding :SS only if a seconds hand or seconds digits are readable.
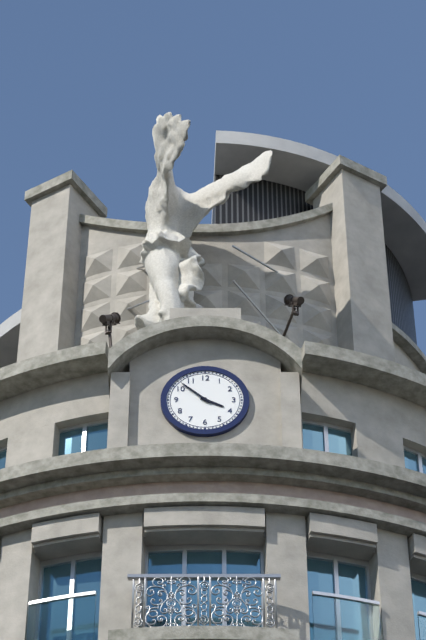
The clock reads 3:52
